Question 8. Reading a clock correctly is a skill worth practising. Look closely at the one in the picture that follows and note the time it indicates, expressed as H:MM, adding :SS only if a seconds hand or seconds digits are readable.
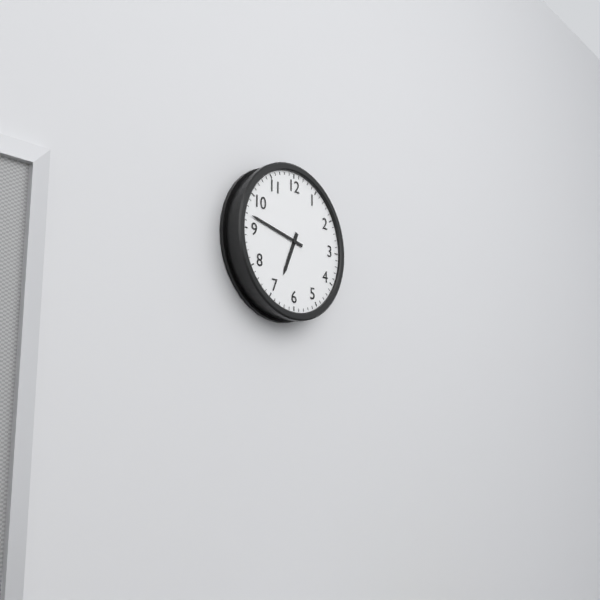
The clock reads 6:47
